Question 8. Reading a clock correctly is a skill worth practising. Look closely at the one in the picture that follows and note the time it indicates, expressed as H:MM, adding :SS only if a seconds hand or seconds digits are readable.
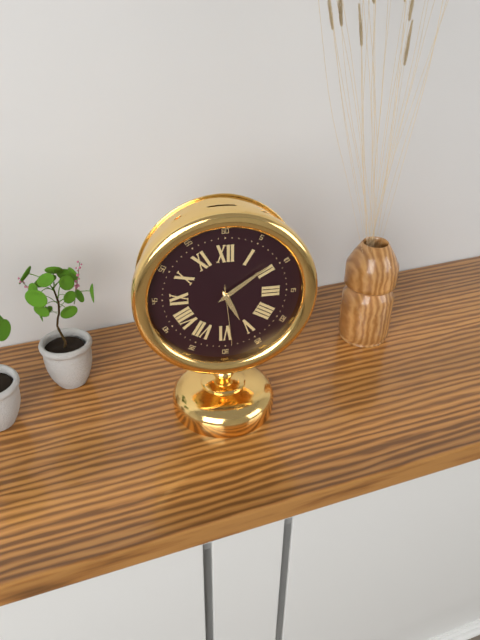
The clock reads 5:09:29
